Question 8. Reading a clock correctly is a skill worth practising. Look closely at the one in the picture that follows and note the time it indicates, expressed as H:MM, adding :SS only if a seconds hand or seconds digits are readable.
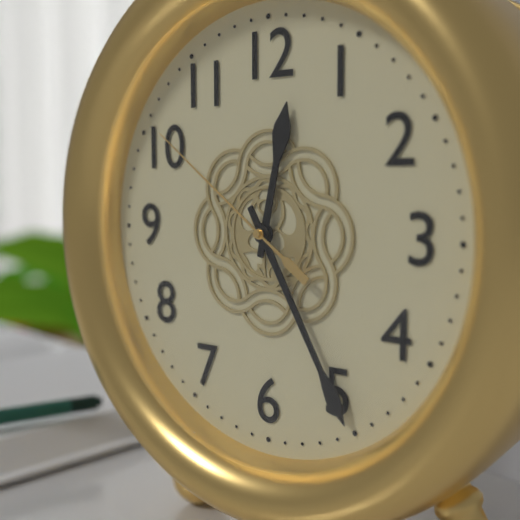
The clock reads 12:25:51
